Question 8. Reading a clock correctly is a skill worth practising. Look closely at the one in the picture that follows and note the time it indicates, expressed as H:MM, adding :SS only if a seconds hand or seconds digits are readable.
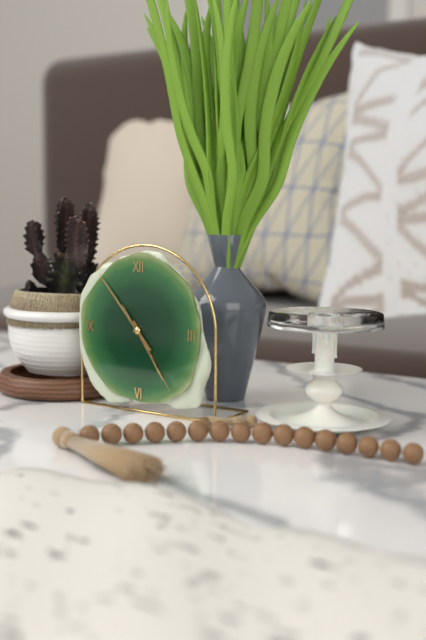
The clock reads 4:53:24
